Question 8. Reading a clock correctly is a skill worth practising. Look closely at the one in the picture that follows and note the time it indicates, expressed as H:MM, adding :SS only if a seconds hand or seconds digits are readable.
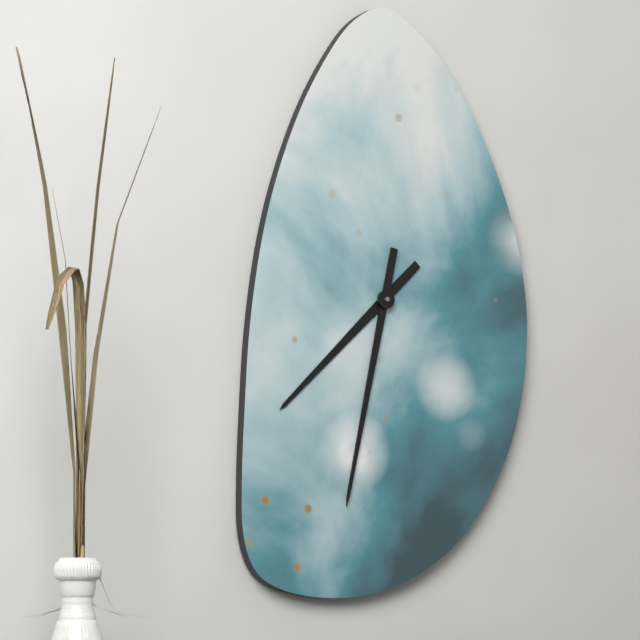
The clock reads 7:32
